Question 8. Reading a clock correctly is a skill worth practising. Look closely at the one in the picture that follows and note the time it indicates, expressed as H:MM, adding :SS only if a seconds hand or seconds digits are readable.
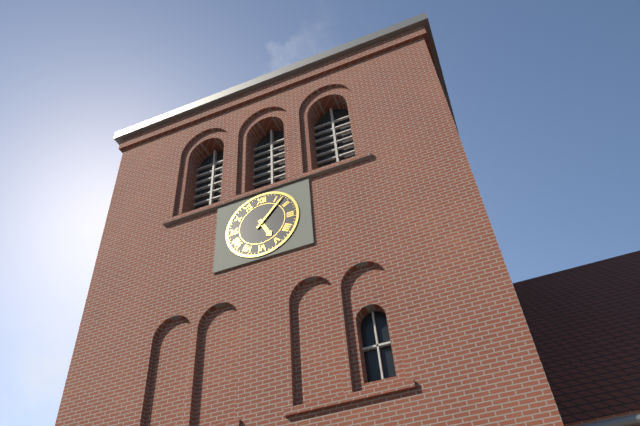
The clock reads 5:07
